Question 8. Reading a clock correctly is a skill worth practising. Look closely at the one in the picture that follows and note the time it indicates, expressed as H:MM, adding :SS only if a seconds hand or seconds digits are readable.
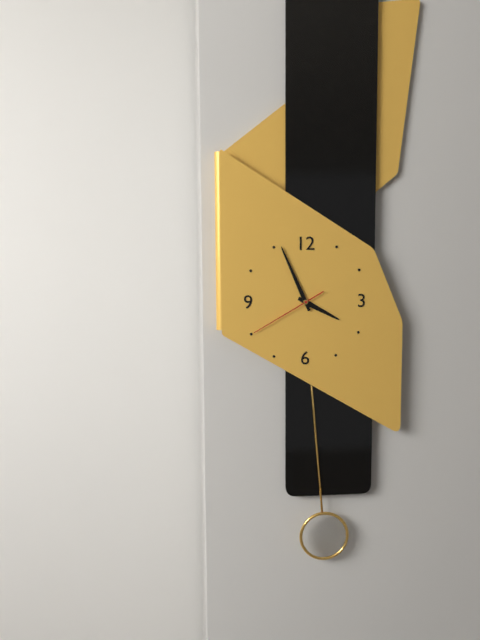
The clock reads 3:56:40
